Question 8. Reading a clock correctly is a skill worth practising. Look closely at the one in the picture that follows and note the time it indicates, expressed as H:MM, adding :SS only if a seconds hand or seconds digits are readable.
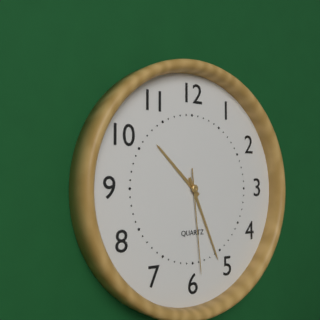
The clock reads 10:26:29
